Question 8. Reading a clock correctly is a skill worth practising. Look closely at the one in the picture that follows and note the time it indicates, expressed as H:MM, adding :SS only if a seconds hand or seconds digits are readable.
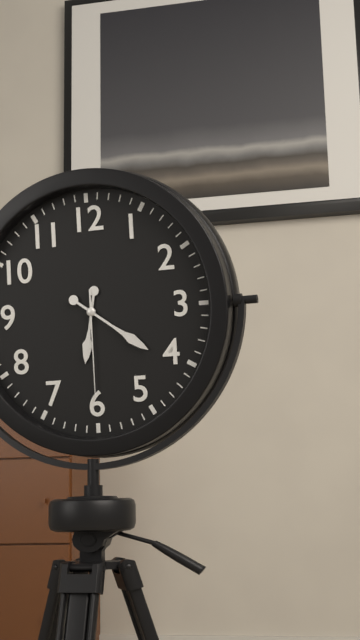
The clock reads 6:21:30
